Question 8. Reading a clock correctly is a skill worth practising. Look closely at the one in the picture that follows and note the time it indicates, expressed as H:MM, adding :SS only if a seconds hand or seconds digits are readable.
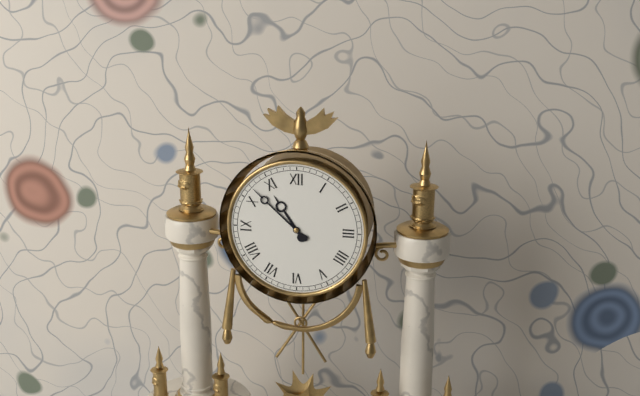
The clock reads 10:52
